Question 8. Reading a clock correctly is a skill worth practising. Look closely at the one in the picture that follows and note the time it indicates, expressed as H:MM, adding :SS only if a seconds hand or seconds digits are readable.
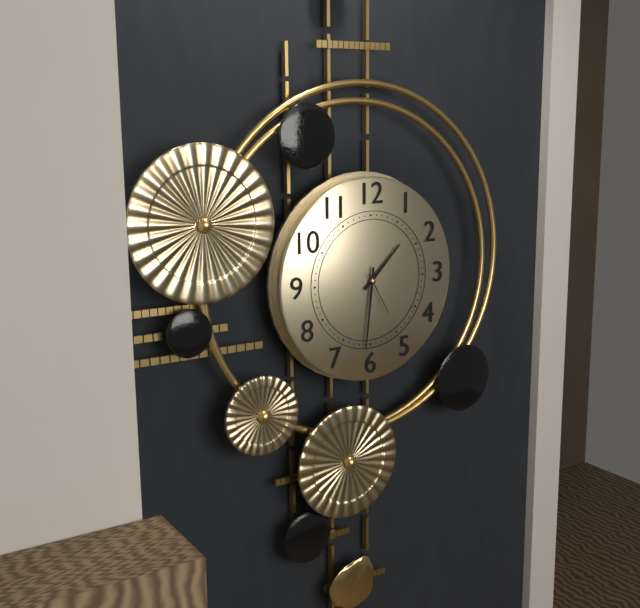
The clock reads 1:31
